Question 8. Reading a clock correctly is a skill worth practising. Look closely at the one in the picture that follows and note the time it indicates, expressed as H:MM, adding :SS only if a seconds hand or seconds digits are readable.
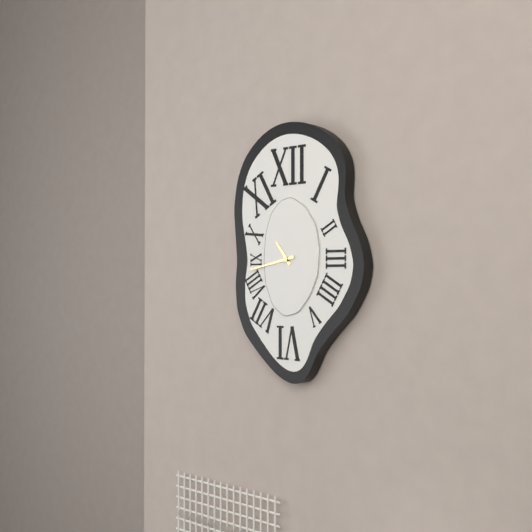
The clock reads 10:43
